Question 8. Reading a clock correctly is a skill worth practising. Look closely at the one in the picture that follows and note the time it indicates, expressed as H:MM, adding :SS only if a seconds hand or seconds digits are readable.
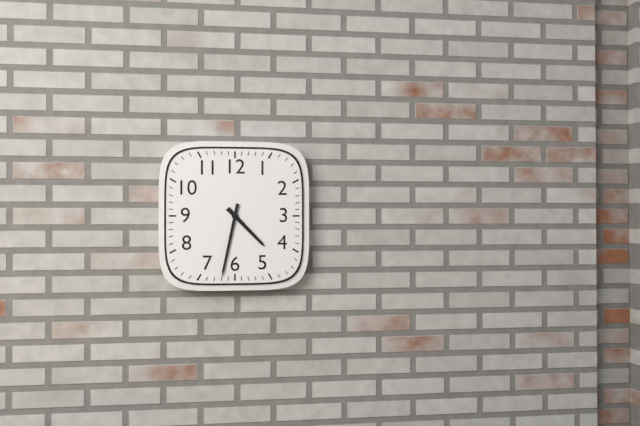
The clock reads 4:32
